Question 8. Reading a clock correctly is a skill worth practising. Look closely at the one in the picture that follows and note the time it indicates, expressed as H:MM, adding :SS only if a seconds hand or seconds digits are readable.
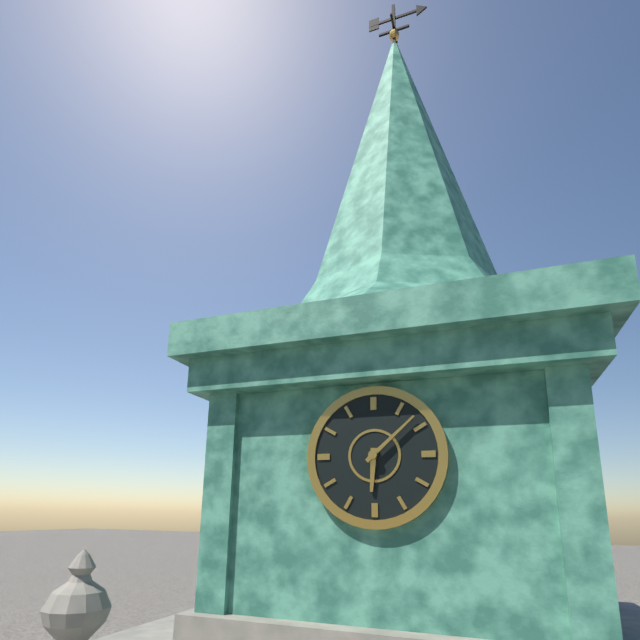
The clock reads 6:08
